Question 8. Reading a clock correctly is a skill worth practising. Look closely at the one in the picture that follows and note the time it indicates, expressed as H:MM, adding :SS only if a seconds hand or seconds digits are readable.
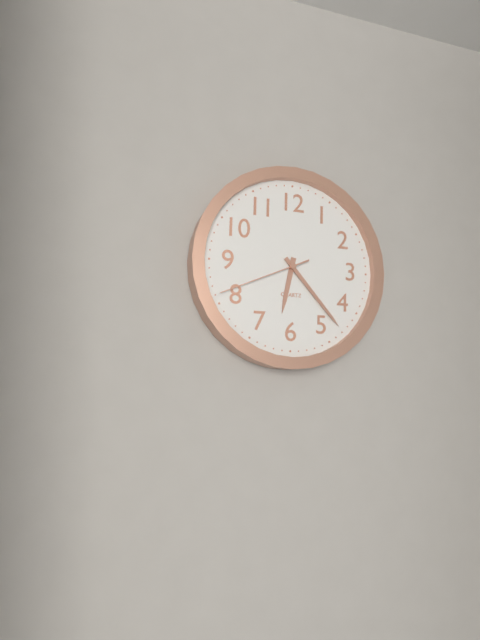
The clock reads 6:23:41
